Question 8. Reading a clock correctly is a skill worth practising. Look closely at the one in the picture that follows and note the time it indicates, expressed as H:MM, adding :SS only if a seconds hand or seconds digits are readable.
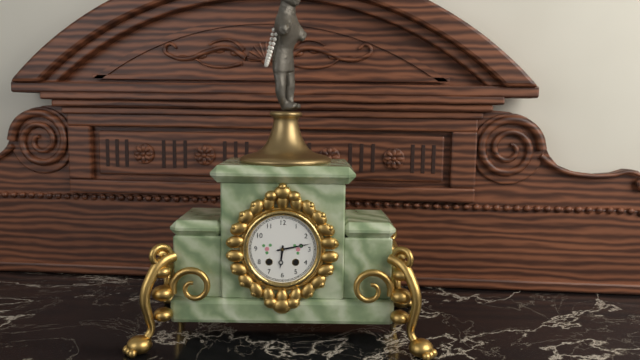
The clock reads 6:13
